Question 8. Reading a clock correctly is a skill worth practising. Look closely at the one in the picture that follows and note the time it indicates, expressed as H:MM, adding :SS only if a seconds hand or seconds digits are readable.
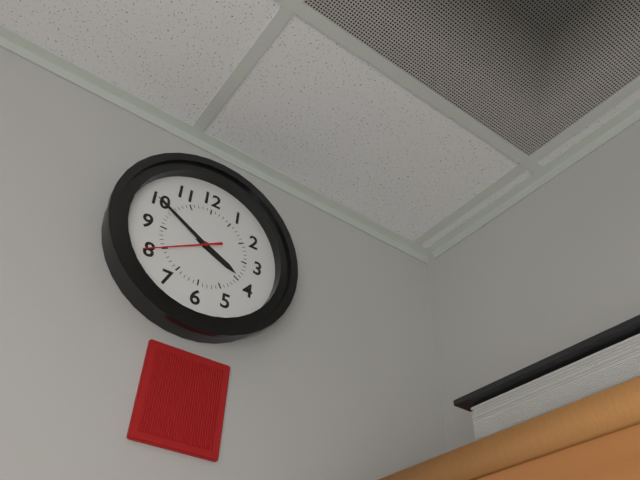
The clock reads 3:50:40
